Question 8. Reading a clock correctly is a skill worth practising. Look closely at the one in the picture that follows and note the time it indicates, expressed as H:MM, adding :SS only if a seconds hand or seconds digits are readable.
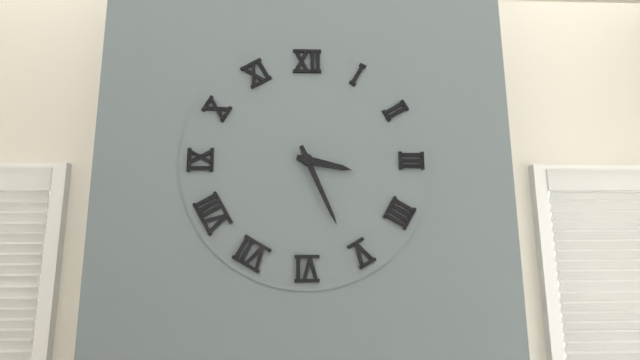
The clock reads 3:26
